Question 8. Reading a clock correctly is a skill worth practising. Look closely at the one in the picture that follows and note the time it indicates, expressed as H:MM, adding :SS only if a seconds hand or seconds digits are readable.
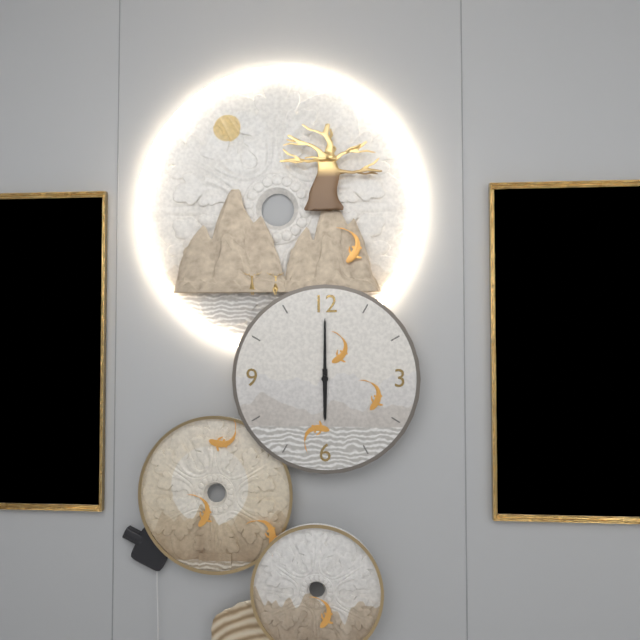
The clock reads 6:00
